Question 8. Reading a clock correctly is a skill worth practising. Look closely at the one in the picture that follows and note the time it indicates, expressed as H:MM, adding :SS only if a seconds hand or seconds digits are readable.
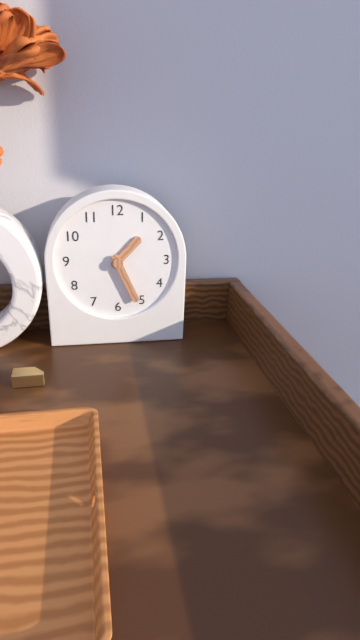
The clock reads 1:26
